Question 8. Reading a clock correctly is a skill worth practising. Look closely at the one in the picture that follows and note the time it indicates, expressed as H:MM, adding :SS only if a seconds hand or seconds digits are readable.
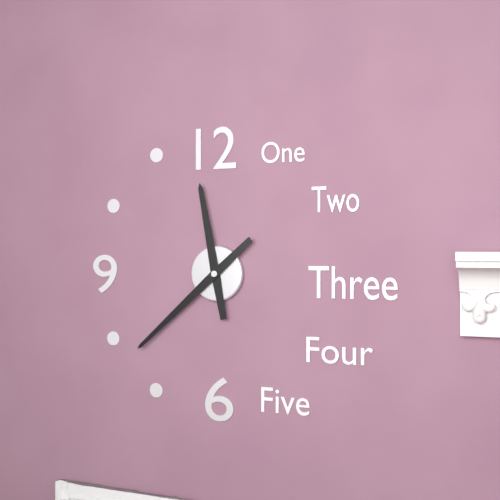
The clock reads 11:38
